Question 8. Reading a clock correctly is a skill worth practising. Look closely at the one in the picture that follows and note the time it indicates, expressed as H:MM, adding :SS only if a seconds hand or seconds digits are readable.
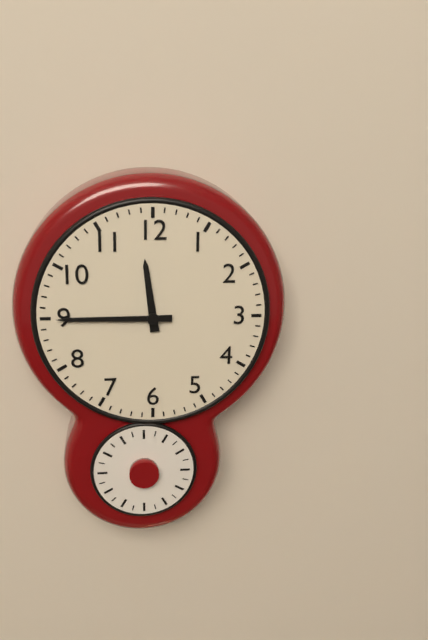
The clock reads 11:45
